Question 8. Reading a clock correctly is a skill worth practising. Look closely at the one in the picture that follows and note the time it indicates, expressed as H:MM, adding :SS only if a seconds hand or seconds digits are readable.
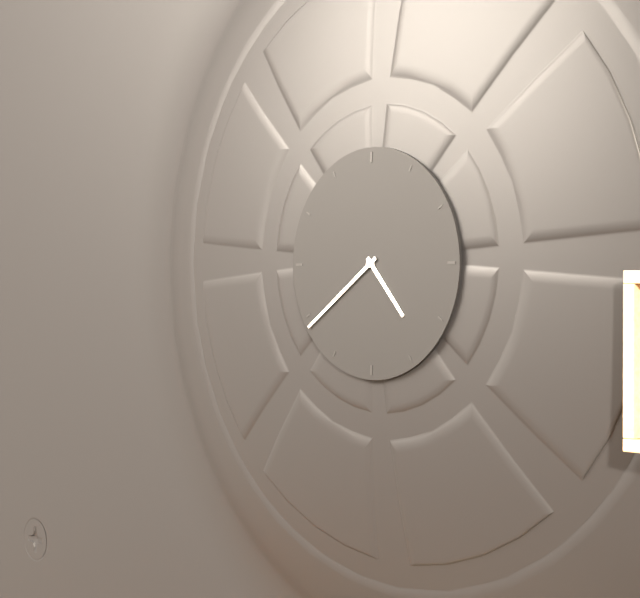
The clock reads 4:39
